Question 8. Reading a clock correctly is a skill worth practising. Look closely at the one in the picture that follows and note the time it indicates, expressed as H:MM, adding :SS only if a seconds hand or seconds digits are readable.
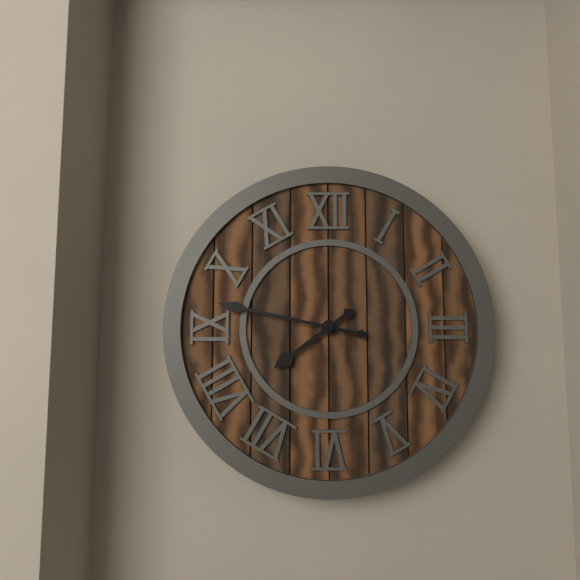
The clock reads 7:47
